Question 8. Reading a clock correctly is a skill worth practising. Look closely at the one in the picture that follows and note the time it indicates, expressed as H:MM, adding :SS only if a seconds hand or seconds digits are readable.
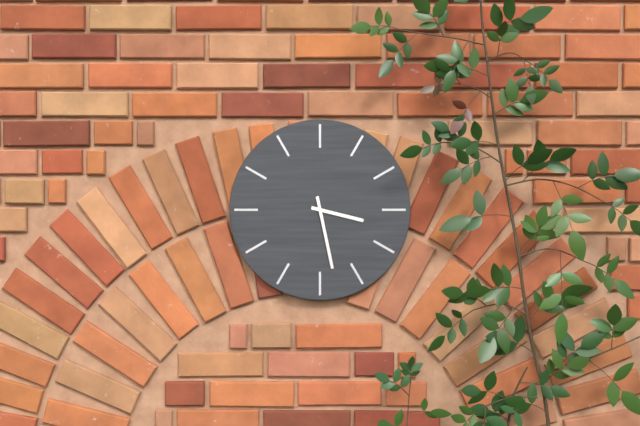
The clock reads 3:28
